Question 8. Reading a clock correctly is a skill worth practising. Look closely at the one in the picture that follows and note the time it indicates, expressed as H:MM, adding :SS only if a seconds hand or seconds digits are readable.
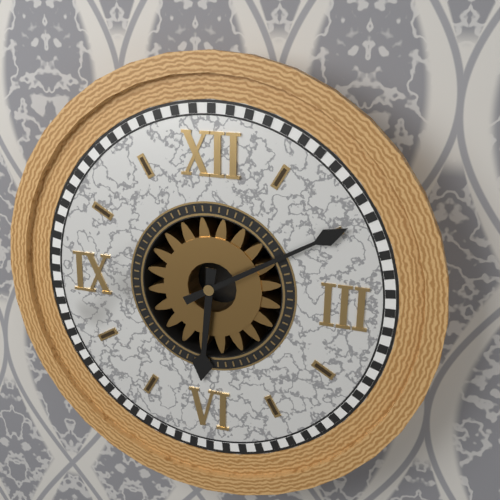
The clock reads 6:10
